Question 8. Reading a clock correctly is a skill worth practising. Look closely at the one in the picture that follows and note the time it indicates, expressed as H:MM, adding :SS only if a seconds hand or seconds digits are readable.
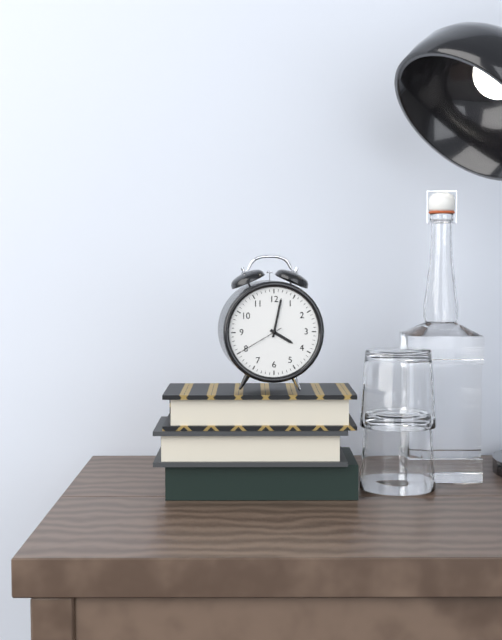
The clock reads 4:02
